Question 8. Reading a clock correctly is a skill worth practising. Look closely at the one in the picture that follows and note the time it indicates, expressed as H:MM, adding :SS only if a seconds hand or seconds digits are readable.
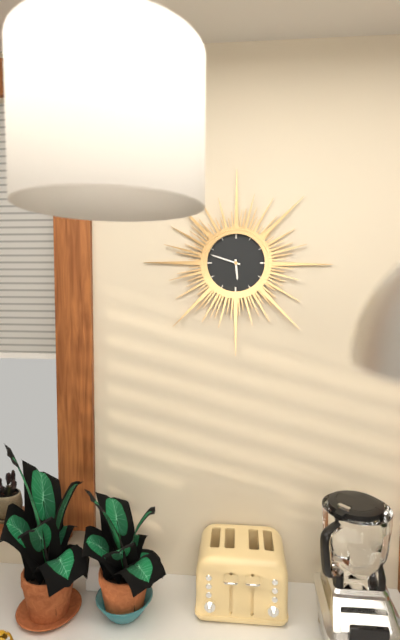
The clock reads 5:48
